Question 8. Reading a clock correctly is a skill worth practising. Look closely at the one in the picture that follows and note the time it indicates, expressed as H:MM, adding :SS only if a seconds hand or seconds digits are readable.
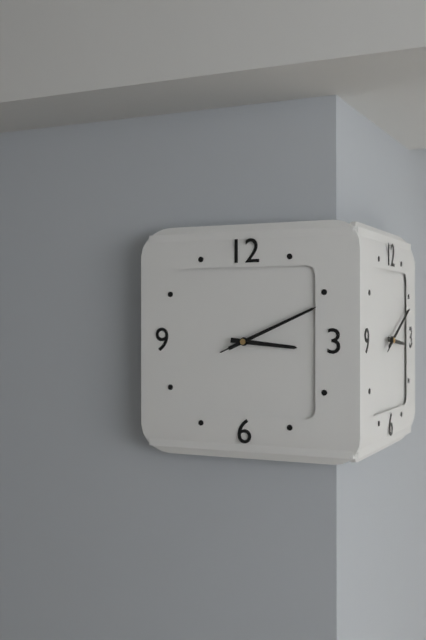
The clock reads 3:11:11
